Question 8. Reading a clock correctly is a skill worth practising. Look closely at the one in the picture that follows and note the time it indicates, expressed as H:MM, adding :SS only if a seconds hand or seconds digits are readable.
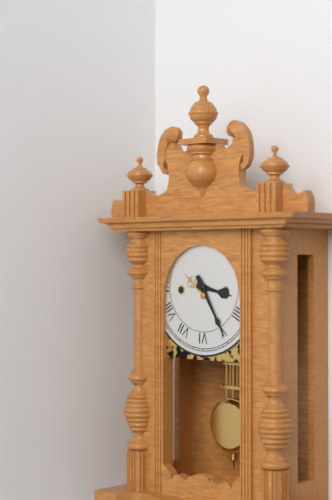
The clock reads 3:25
